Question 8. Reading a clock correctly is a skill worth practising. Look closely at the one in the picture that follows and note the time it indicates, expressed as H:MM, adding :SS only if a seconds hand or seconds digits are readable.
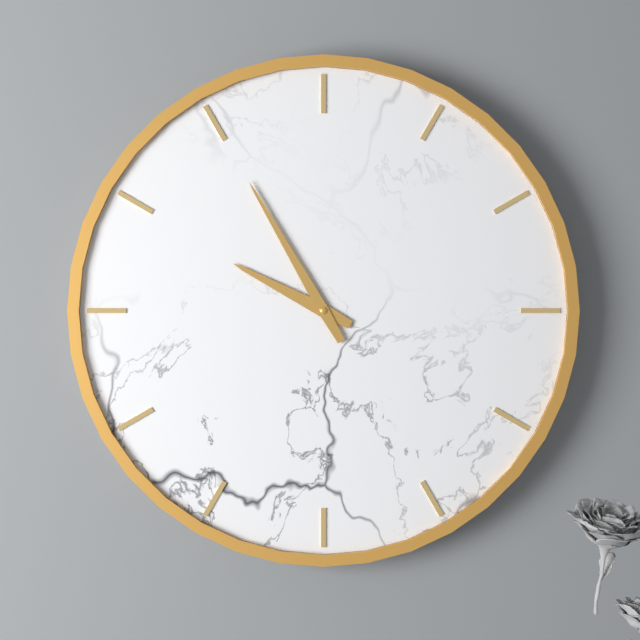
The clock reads 9:55
